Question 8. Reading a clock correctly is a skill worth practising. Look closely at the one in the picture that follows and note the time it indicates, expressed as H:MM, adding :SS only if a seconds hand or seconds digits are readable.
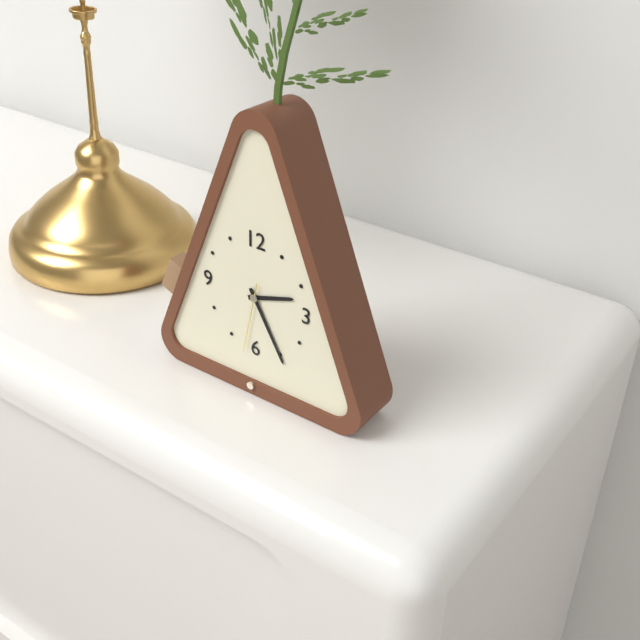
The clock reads 2:25:32
